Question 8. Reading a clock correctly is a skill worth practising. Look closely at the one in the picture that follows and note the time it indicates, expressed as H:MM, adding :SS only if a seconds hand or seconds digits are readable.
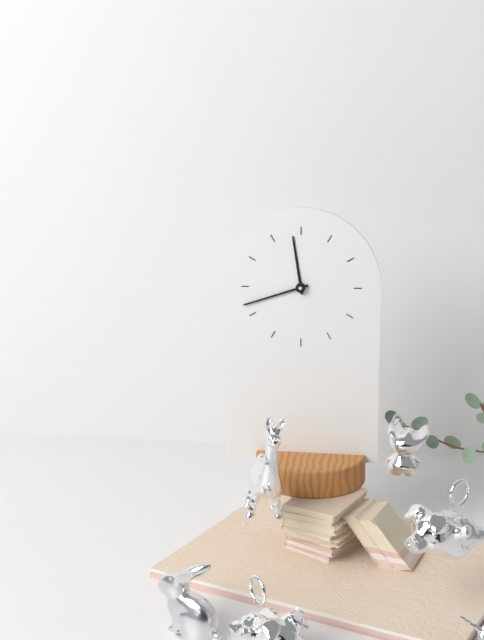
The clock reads 11:42
